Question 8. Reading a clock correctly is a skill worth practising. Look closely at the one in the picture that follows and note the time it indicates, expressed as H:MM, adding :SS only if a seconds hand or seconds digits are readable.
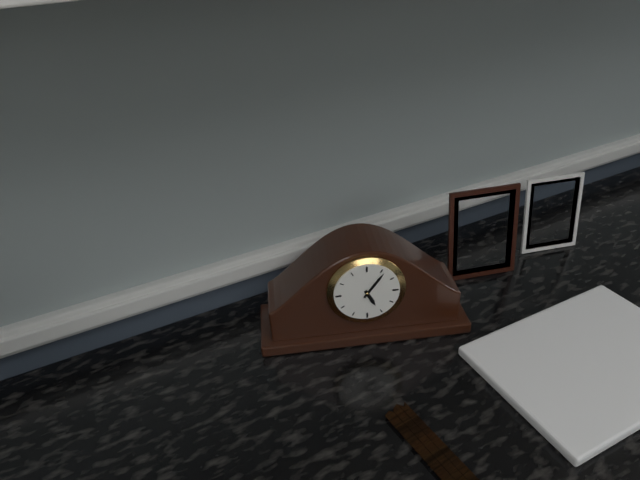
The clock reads 5:06
